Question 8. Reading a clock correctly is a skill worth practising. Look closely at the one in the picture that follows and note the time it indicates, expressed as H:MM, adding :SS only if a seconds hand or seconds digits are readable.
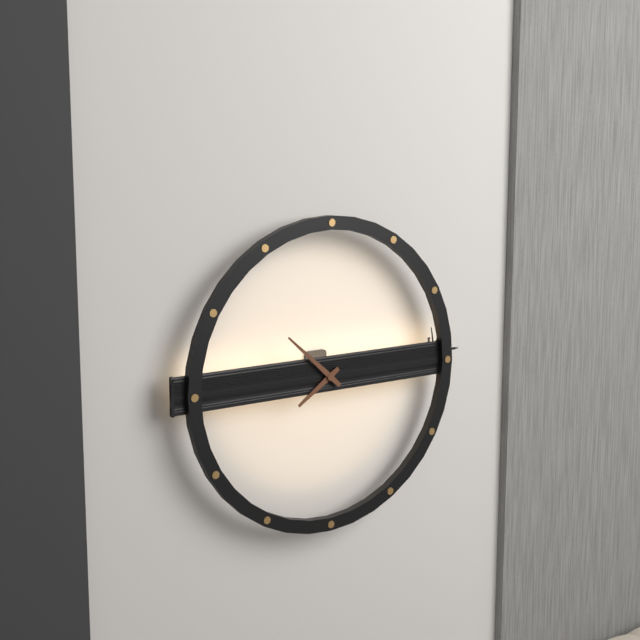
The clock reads 7:52
